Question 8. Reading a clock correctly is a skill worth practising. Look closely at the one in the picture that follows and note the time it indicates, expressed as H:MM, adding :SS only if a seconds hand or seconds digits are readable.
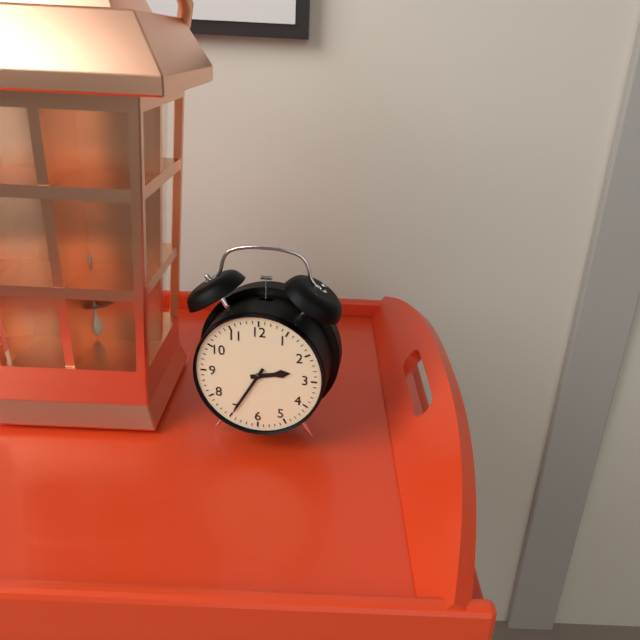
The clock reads 2:35
